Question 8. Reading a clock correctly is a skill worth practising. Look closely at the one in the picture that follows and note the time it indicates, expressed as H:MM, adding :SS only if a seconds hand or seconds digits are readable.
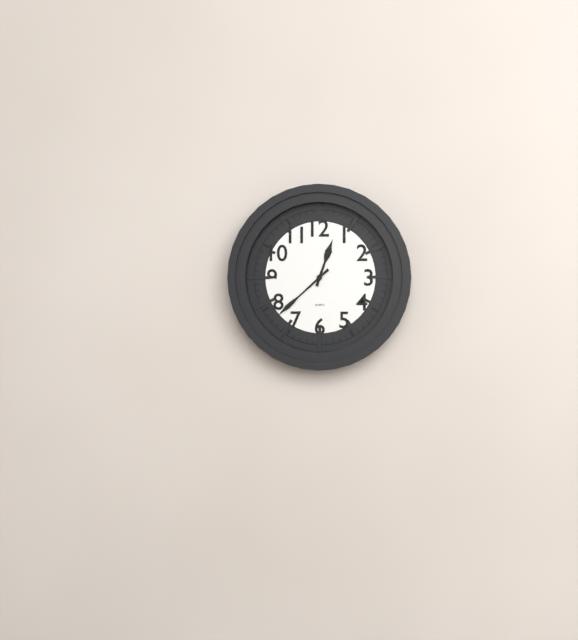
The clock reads 12:38
